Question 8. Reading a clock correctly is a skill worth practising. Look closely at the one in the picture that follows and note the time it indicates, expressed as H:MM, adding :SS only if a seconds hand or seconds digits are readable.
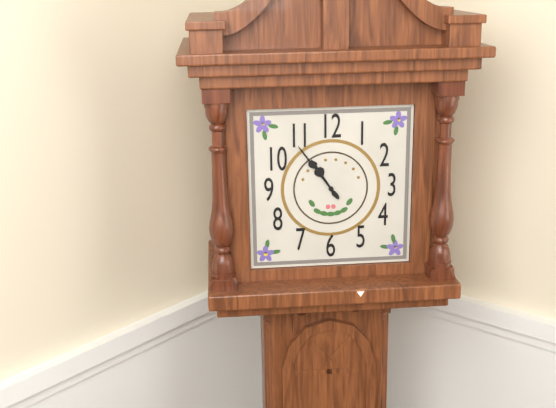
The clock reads 10:54
